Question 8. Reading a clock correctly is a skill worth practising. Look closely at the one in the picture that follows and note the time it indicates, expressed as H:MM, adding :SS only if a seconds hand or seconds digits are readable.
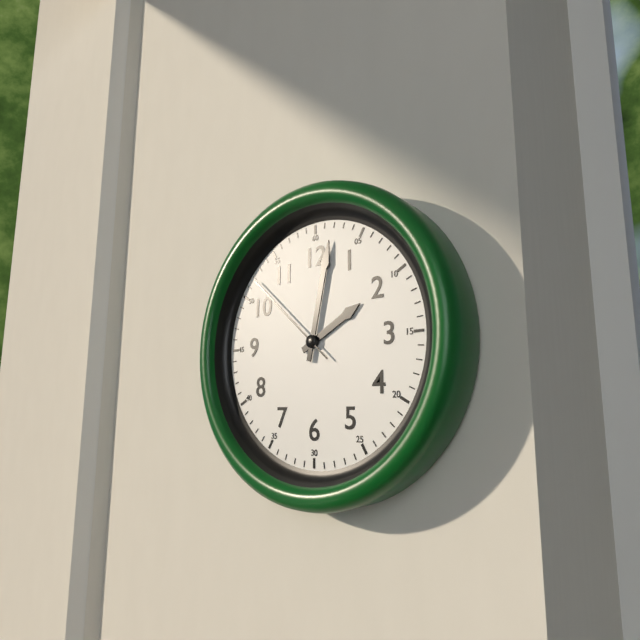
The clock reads 2:02:52
